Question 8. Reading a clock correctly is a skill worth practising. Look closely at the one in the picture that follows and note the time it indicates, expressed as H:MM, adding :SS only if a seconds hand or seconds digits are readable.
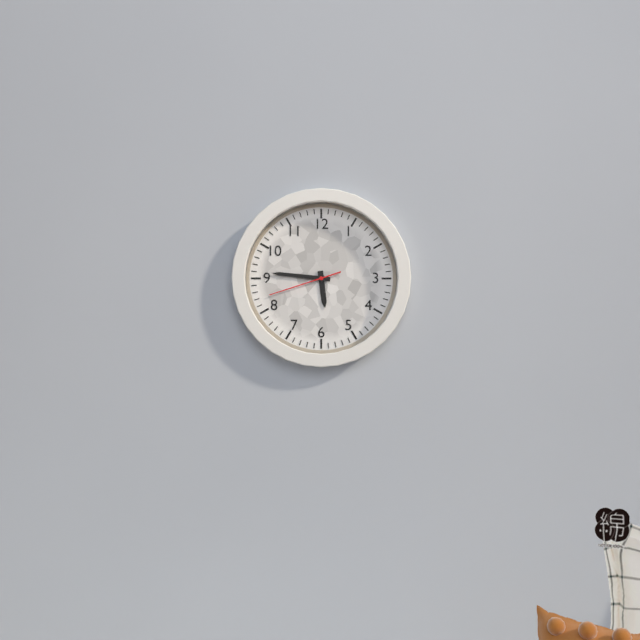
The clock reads 5:46:42
